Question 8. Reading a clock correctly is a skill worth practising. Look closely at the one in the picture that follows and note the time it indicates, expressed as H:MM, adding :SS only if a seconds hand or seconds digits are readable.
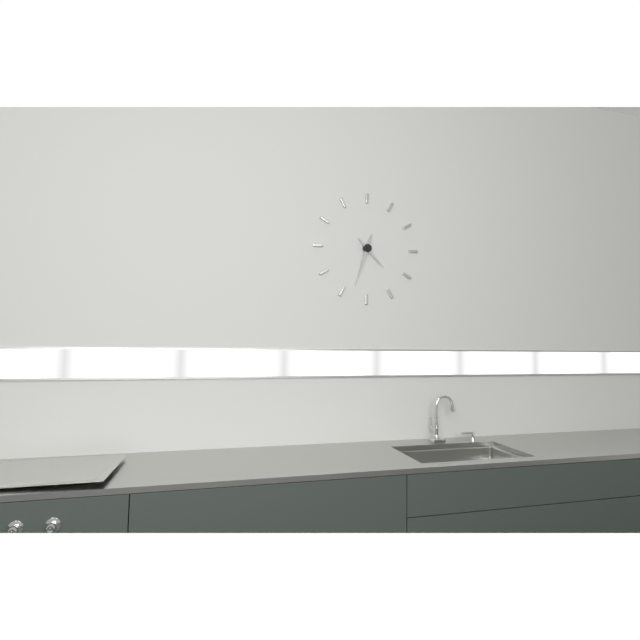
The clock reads 4:33
